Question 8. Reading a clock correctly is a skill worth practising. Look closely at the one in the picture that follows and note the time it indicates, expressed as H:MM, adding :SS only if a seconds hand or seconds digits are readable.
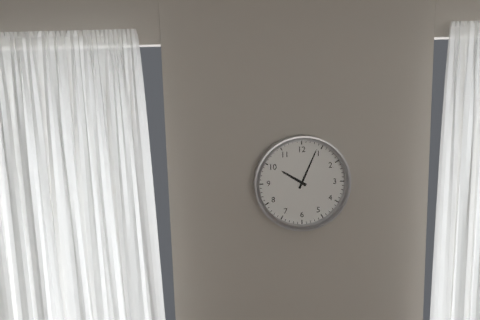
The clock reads 10:04
